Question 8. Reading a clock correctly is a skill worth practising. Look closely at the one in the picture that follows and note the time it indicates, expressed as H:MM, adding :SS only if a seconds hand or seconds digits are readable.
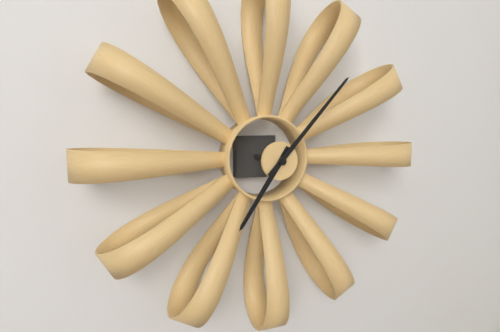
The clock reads 7:07
